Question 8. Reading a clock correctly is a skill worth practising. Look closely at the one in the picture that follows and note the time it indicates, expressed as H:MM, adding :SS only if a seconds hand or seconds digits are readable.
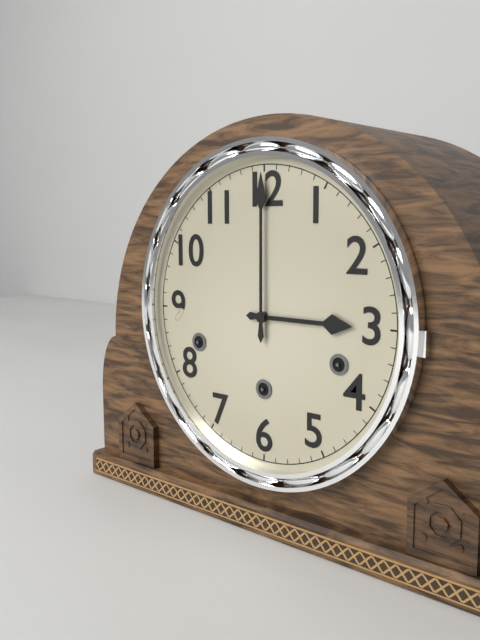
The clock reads 3:00
